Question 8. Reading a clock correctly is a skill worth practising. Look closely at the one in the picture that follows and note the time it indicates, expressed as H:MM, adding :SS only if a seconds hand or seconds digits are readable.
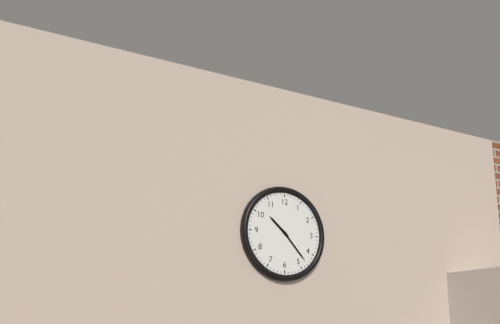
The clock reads 10:23
